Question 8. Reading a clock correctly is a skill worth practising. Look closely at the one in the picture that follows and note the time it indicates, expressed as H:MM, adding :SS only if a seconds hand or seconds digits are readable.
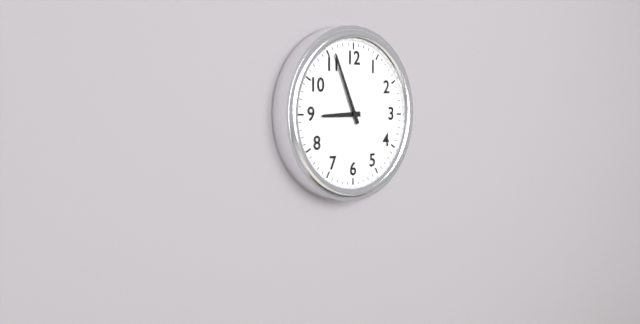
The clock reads 8:56
